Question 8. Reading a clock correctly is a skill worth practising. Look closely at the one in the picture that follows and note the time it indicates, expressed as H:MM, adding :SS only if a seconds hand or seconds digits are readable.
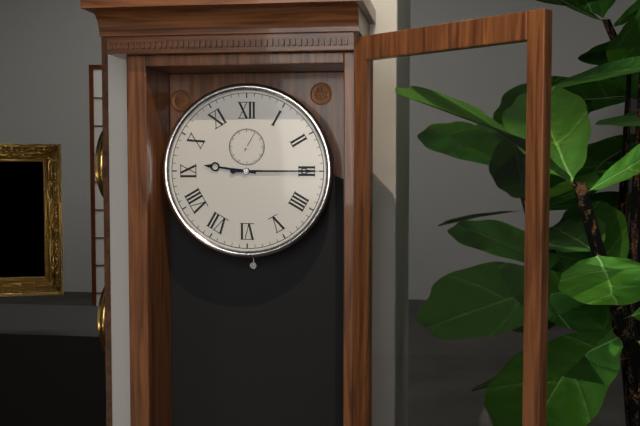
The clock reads 9:15
